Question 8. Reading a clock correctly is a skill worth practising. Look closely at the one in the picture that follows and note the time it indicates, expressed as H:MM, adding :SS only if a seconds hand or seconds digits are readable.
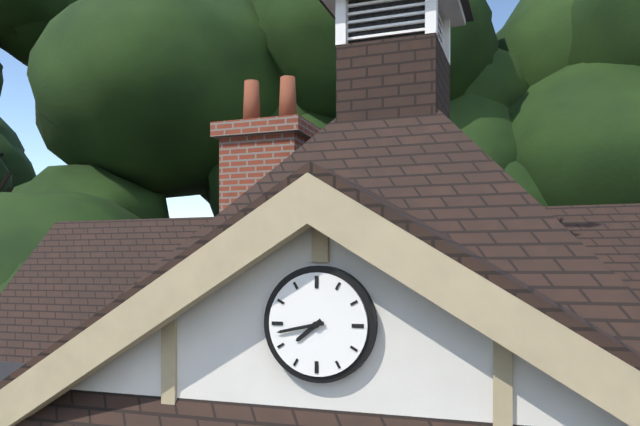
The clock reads 7:43
